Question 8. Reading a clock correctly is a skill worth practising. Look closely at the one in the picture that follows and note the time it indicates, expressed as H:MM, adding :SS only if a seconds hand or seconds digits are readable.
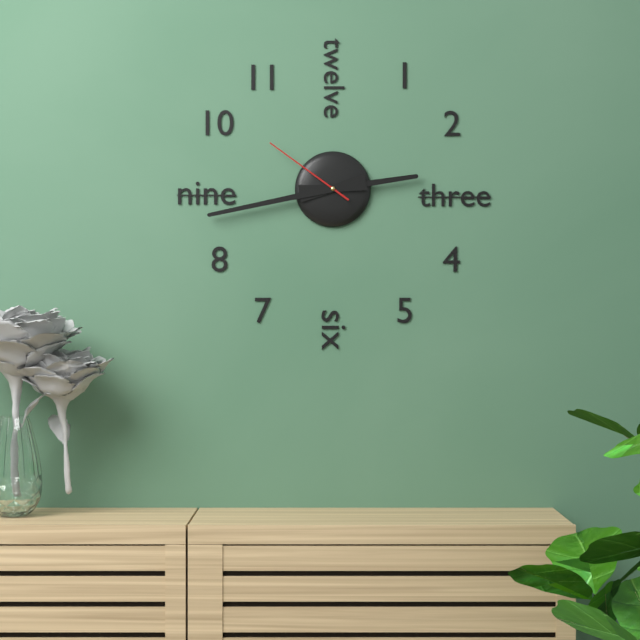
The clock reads 2:43:51
